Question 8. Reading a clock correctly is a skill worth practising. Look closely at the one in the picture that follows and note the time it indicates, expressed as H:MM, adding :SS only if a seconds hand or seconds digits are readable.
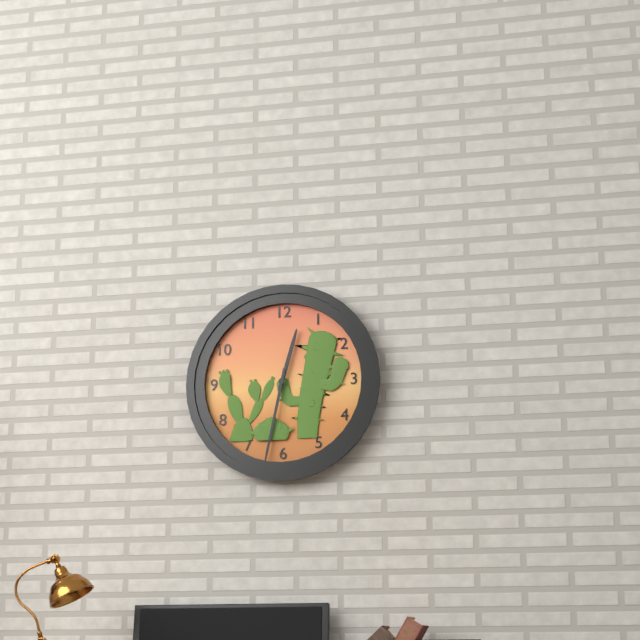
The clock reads 12:32
